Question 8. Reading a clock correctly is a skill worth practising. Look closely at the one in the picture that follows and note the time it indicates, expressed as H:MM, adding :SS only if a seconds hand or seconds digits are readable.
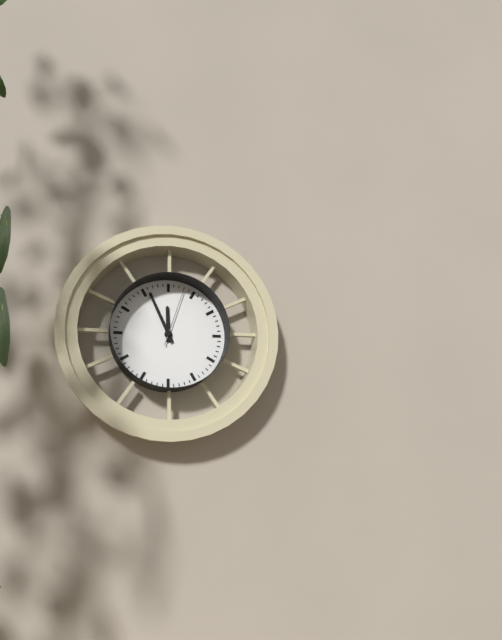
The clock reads 11:56:03
